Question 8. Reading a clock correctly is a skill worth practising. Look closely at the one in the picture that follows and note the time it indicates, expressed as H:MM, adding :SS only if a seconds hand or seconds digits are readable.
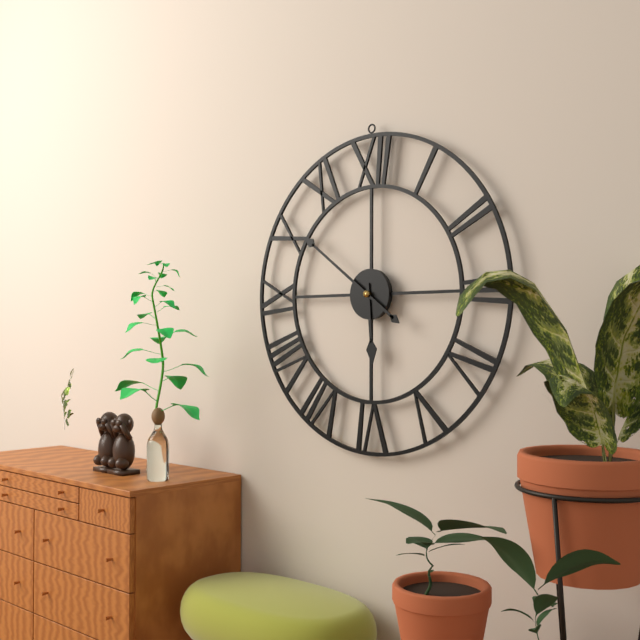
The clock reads 5:51
